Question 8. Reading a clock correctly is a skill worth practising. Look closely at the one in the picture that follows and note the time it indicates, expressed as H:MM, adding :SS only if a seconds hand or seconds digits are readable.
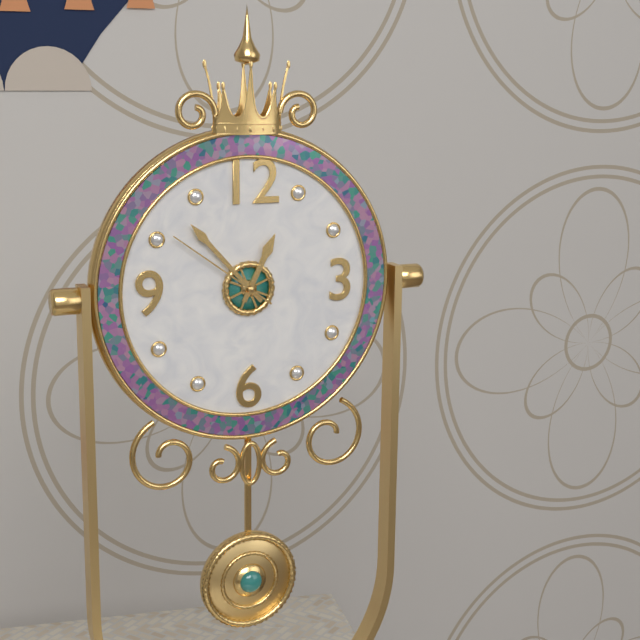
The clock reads 12:53:51
